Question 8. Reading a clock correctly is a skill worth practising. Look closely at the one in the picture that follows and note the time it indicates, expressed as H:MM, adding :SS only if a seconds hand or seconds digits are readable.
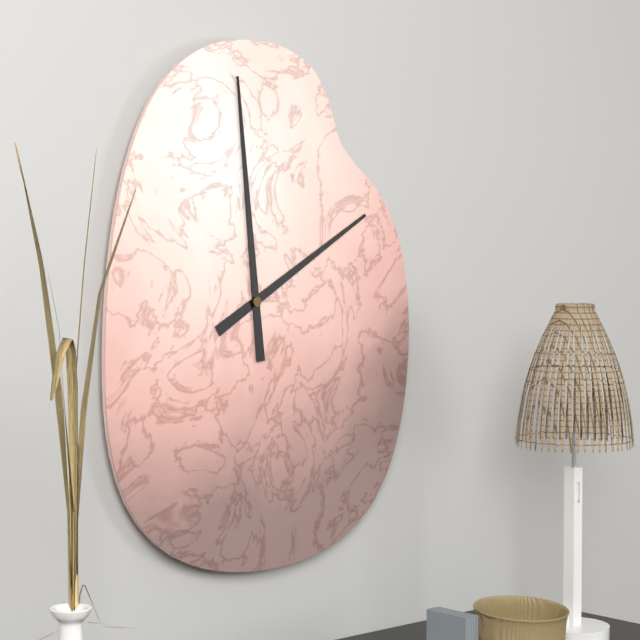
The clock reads 1:59
